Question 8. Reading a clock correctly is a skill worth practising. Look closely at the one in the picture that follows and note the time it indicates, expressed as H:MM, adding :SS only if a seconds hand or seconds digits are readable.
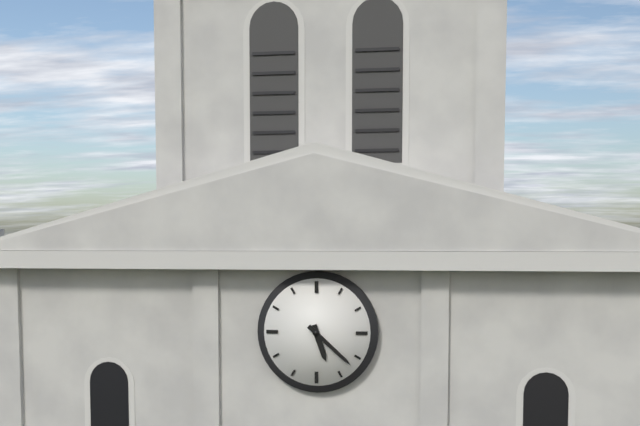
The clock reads 5:22
